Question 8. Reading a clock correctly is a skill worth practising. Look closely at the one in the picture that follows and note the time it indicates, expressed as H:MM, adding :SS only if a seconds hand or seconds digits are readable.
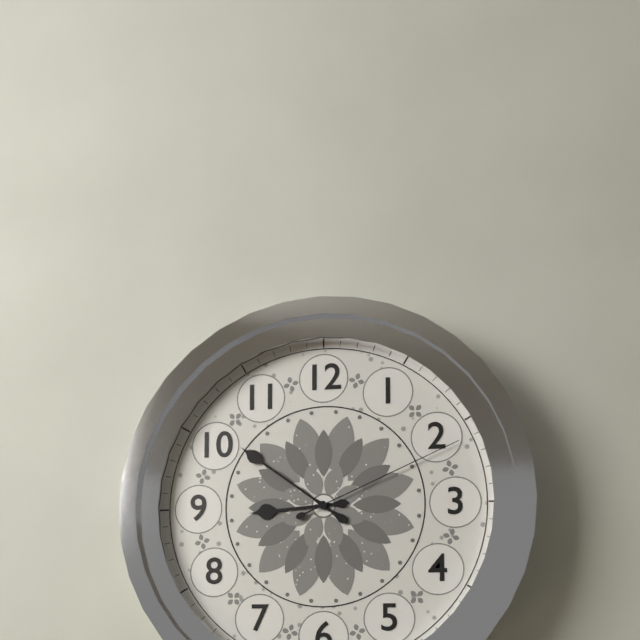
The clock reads 8:51:11
